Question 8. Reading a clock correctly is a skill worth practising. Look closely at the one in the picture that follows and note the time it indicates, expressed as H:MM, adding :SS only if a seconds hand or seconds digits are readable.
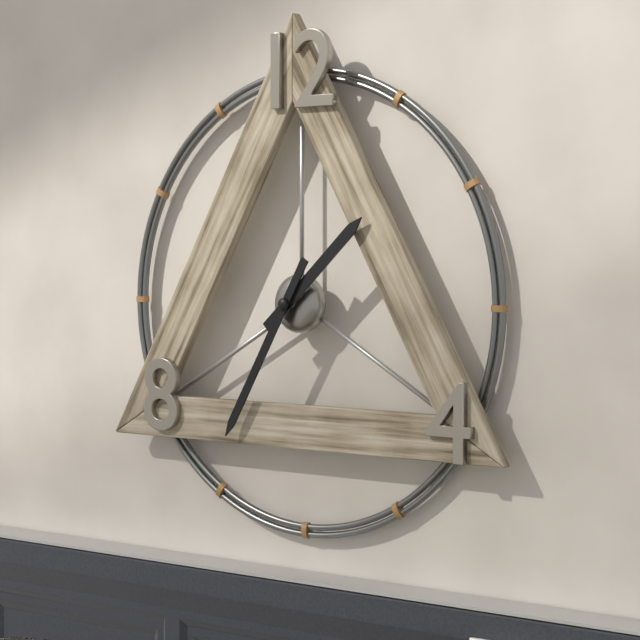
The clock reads 1:35
